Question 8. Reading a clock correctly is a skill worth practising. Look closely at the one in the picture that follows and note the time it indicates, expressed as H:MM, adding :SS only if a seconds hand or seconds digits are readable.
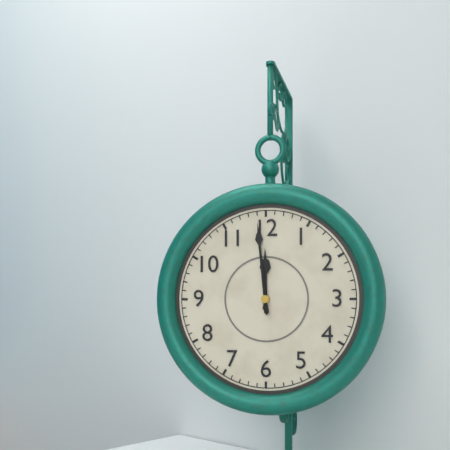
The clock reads 11:59
